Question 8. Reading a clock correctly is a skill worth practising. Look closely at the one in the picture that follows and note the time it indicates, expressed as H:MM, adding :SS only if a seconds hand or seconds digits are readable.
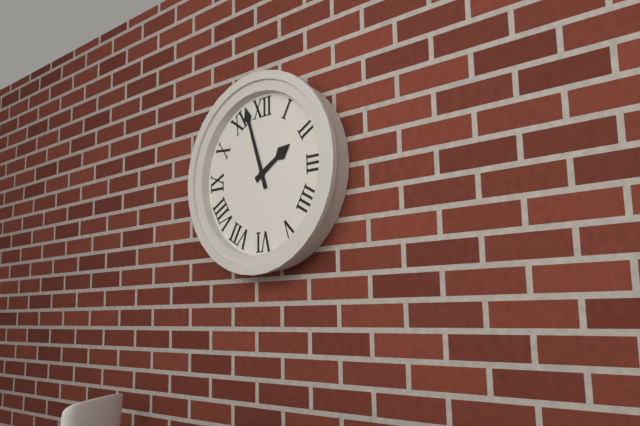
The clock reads 1:57
